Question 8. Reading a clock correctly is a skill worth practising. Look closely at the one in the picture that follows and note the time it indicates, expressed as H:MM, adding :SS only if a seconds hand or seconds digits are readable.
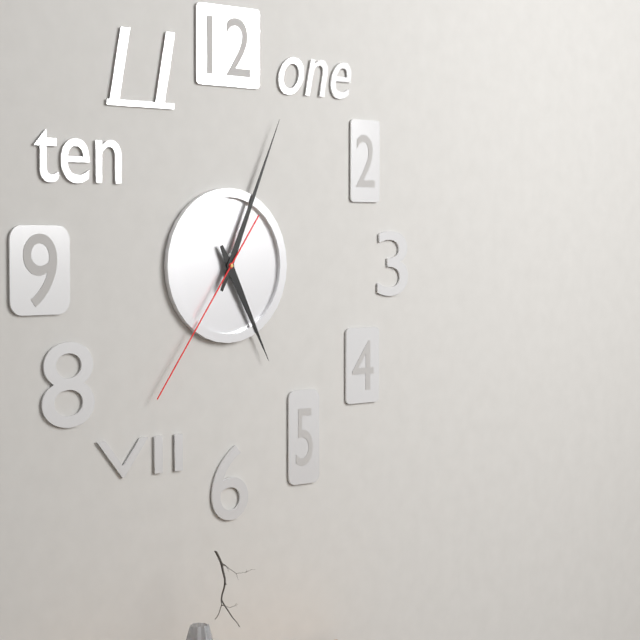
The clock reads 5:04:36
